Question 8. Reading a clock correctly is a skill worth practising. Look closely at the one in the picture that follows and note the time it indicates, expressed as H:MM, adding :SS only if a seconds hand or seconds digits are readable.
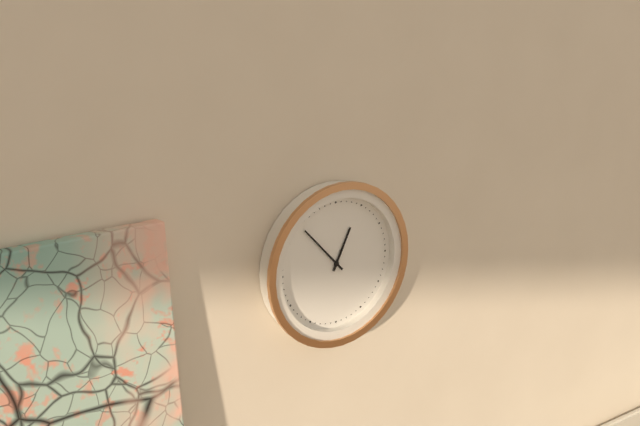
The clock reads 12:53
